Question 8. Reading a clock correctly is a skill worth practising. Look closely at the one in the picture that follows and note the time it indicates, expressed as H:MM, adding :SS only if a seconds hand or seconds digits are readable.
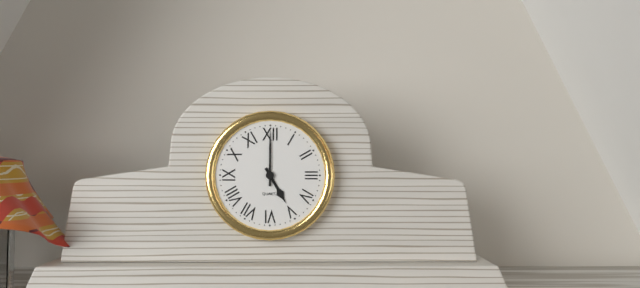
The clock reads 5:00
